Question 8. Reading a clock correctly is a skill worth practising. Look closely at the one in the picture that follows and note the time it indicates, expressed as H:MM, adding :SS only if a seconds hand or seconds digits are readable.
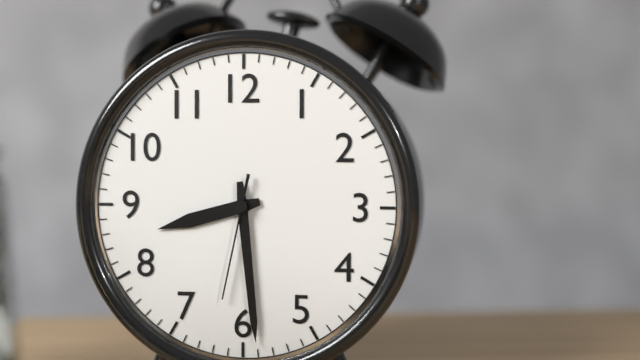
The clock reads 8:29:32
